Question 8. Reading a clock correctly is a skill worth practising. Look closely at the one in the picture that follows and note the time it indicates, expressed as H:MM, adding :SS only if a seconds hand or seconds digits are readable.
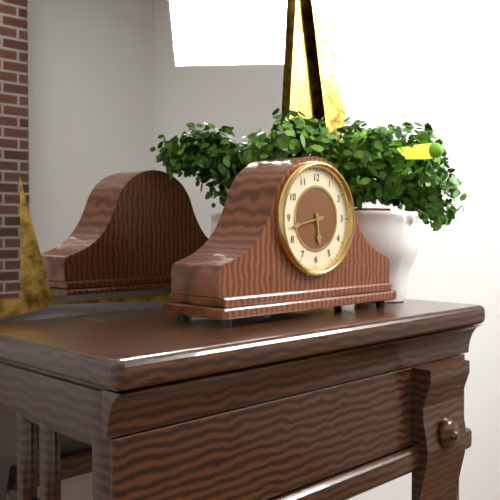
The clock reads 5:43
